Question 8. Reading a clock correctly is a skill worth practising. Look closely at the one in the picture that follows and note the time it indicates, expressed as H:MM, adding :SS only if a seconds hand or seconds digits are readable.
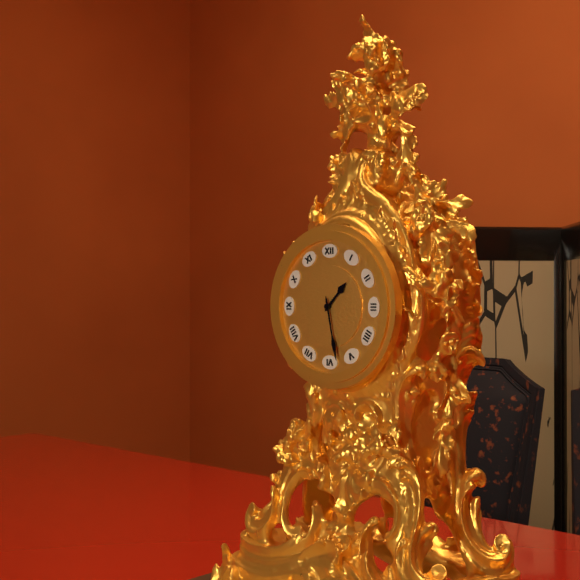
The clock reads 1:28
